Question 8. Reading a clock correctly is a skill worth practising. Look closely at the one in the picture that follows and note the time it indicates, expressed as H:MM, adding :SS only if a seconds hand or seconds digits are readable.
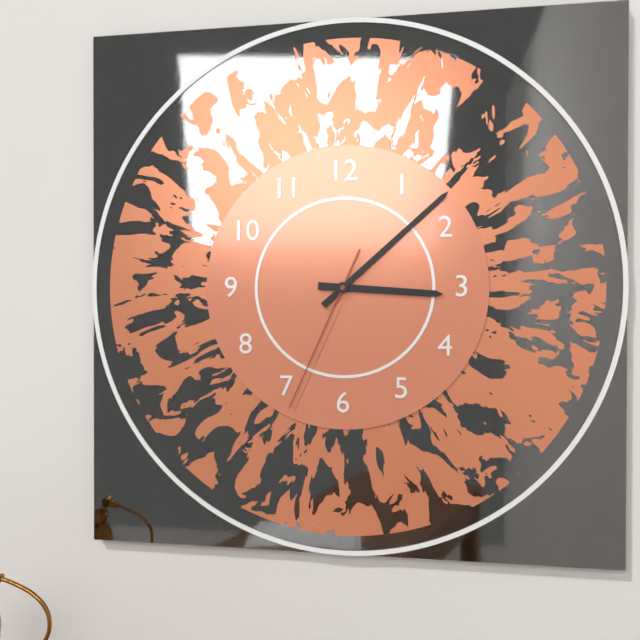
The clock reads 3:08:34
